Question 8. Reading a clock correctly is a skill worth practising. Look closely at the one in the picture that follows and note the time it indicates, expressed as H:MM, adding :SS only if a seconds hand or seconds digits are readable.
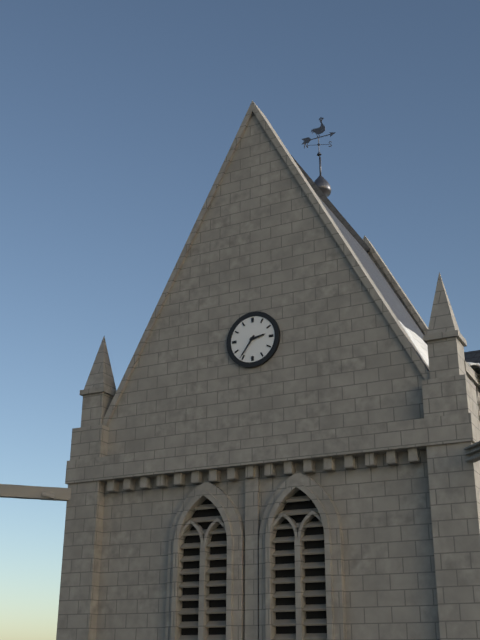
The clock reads 2:36
